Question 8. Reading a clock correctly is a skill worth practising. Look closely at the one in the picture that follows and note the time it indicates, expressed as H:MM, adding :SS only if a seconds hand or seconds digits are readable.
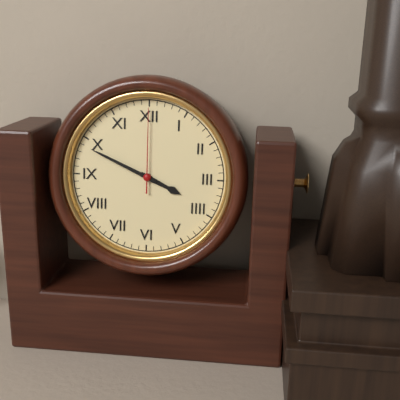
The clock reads 3:49:00
